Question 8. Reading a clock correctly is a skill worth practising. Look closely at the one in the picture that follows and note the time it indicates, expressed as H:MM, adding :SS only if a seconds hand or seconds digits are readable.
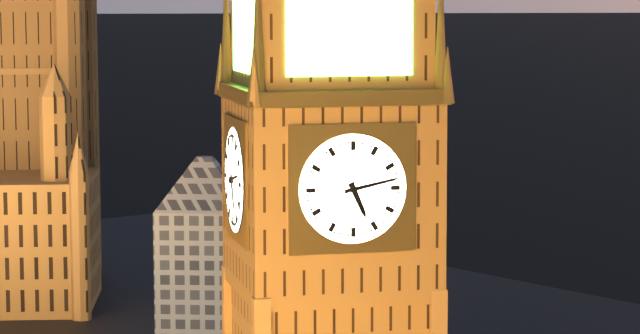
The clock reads 5:13
